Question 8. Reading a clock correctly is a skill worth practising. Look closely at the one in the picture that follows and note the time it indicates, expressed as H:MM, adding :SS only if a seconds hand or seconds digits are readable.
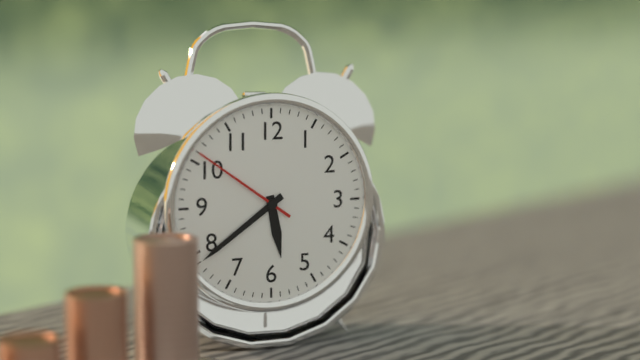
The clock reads 5:39:51
